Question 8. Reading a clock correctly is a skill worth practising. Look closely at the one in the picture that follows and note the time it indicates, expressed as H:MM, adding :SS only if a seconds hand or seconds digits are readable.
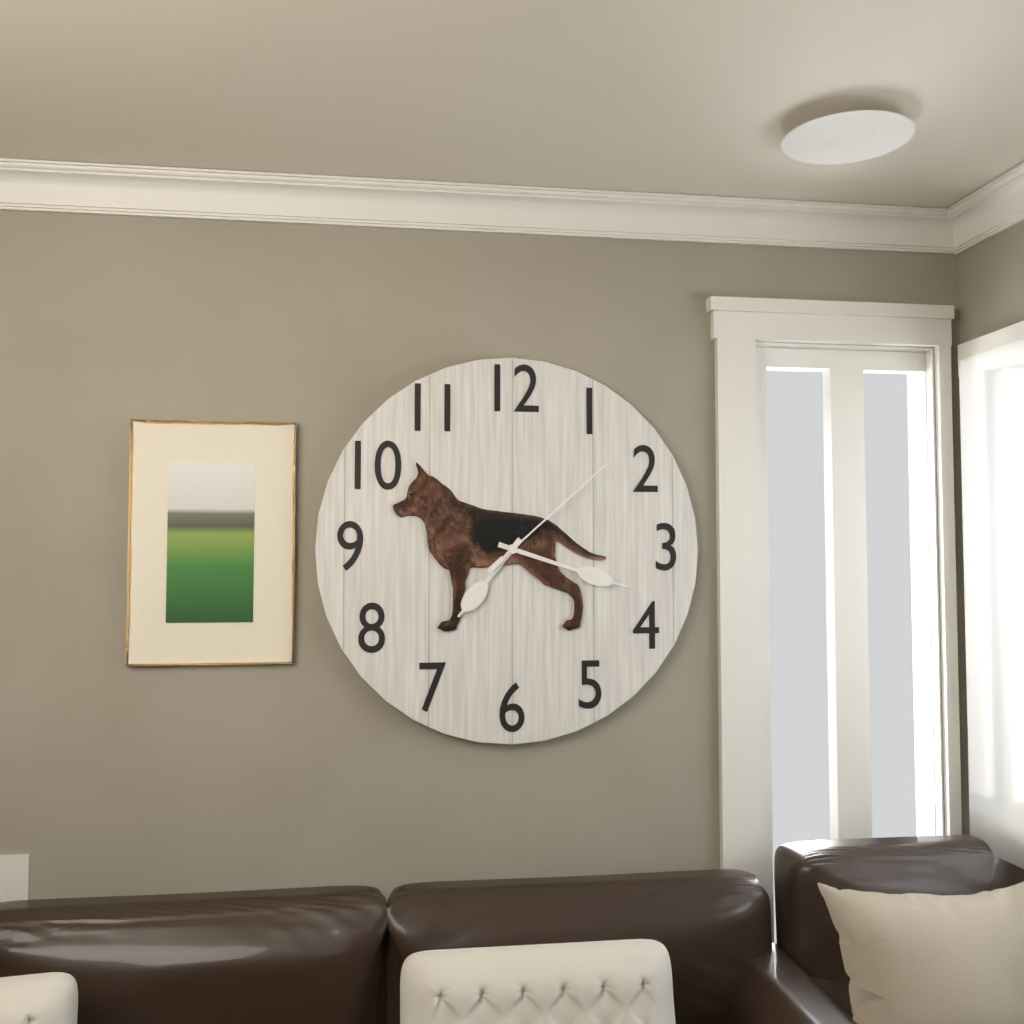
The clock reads 7:18:08
